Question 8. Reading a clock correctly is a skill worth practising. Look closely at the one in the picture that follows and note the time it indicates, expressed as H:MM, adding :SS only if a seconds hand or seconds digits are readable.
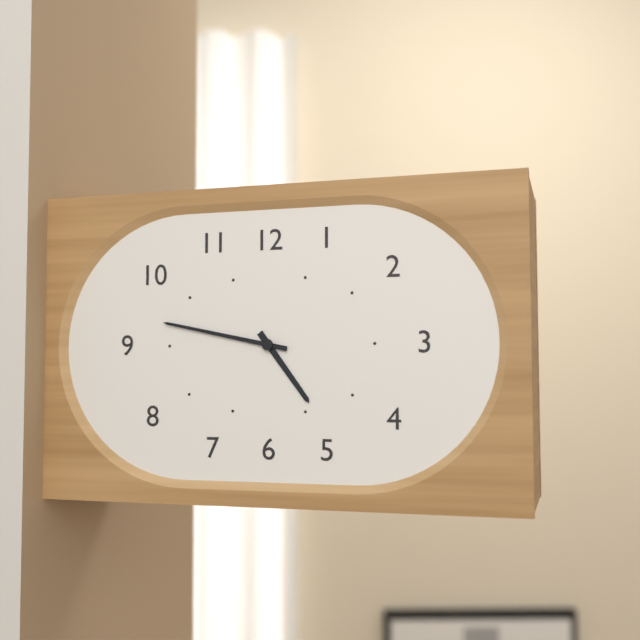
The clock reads 4:47
